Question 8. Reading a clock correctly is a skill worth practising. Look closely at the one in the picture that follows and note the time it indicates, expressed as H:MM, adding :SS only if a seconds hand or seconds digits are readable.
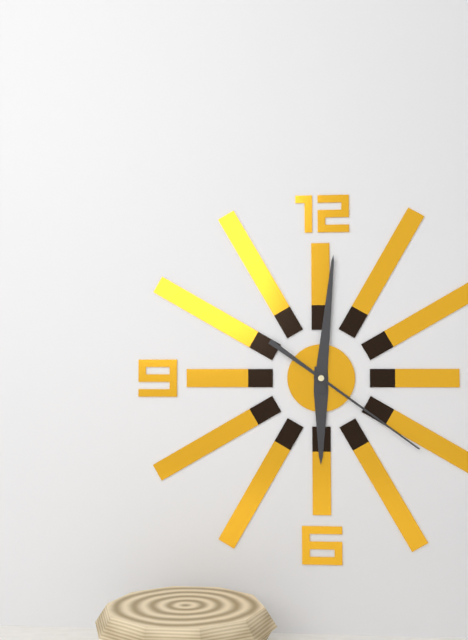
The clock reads 6:01:21
